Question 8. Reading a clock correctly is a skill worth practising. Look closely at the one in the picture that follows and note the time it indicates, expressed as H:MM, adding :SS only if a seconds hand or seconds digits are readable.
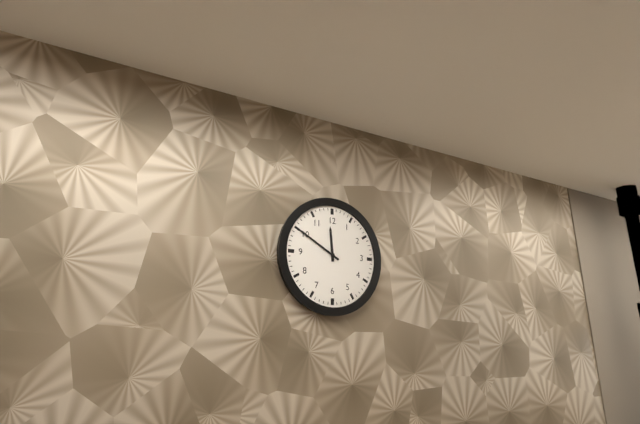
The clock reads 11:50
